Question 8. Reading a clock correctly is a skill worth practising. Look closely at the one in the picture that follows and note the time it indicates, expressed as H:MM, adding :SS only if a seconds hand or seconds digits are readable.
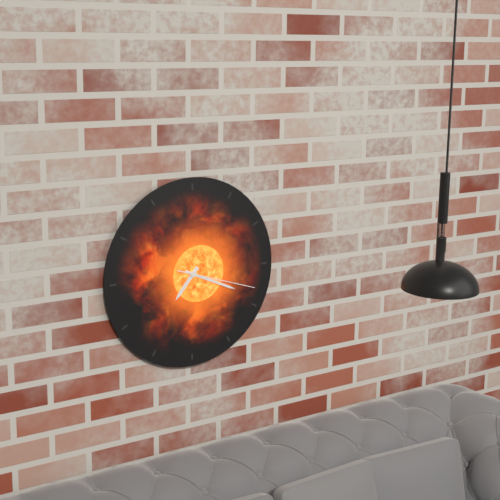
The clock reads 7:19:18
